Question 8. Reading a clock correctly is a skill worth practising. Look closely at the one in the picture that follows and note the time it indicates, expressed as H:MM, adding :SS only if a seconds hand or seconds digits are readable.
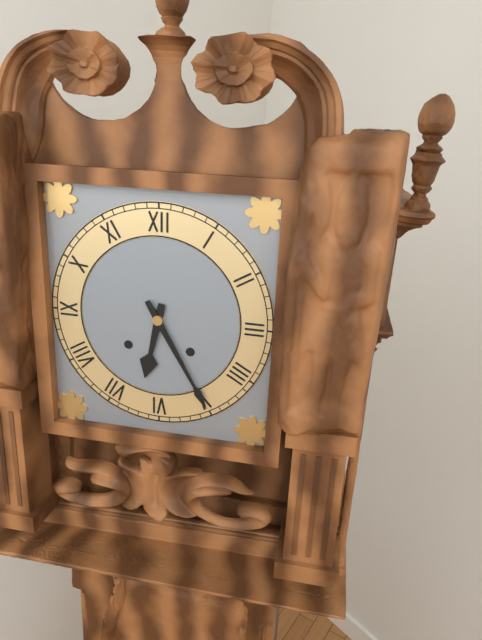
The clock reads 6:25
